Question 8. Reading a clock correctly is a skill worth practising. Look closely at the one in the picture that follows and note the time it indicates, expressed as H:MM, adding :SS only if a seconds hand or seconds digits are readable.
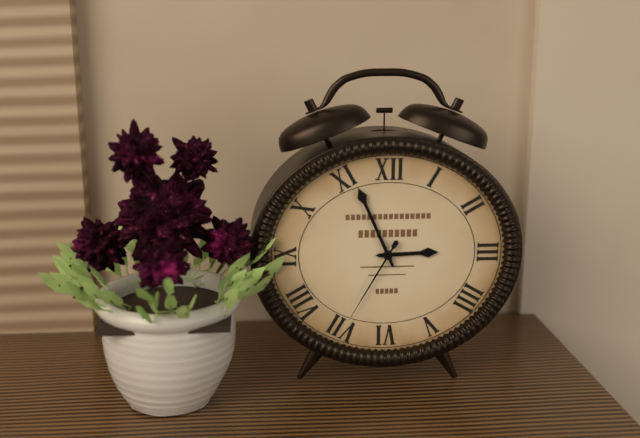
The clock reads 2:56:35
